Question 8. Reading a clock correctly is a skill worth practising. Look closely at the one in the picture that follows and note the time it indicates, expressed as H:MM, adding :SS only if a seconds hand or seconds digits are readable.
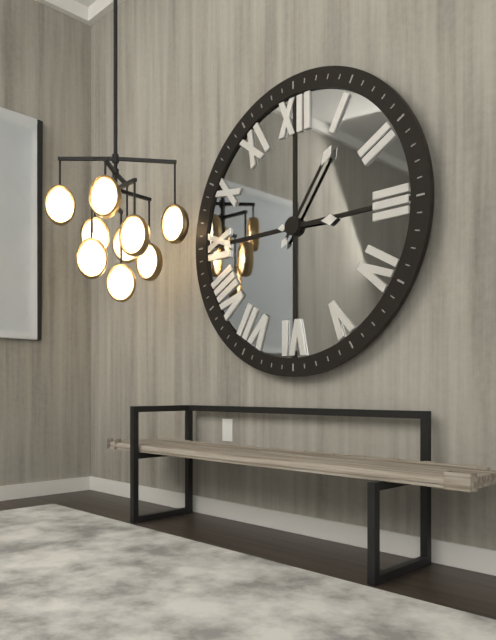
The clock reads 3:06
